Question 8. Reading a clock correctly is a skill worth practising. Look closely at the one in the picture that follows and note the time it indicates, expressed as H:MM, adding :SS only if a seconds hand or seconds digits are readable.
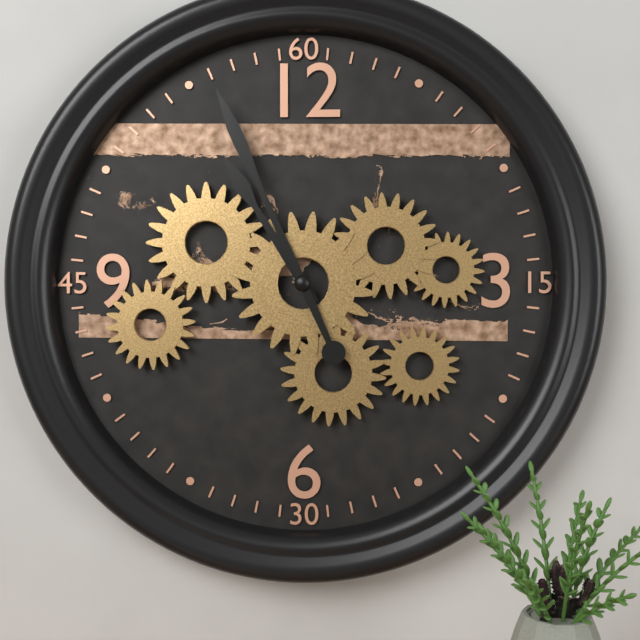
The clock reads 10:56
